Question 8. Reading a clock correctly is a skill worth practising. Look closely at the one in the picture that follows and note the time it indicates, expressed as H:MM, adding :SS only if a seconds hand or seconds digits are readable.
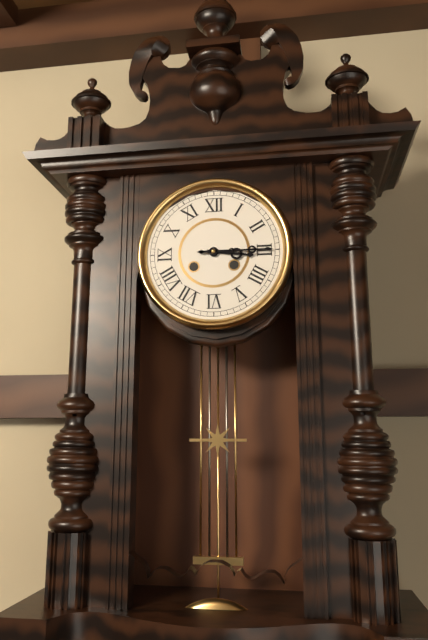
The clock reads 3:15
